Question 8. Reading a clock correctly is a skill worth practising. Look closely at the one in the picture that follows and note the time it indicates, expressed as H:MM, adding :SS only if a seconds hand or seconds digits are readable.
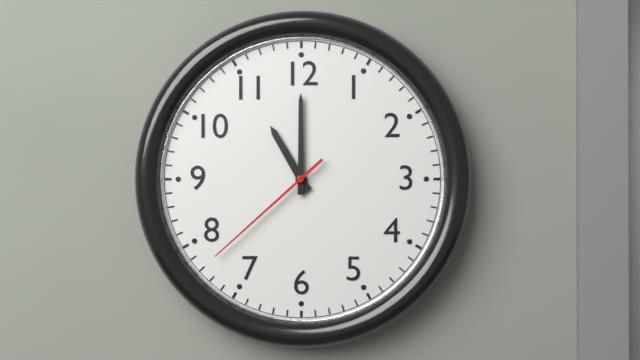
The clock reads 11:00:38
